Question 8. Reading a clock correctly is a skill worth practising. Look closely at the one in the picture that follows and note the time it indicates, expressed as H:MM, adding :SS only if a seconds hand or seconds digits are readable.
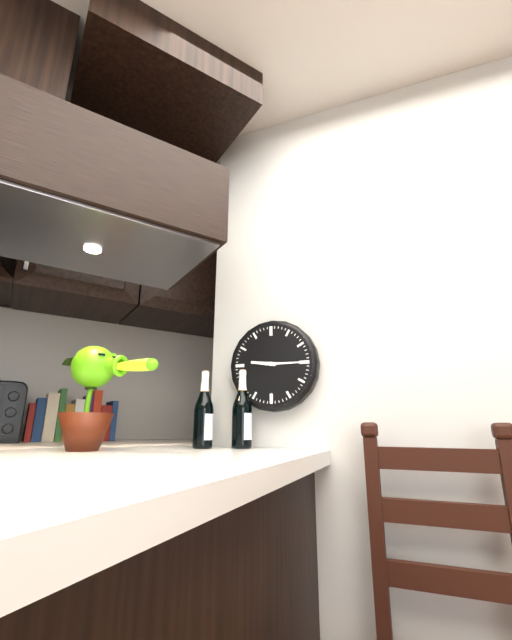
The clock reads 9:15
